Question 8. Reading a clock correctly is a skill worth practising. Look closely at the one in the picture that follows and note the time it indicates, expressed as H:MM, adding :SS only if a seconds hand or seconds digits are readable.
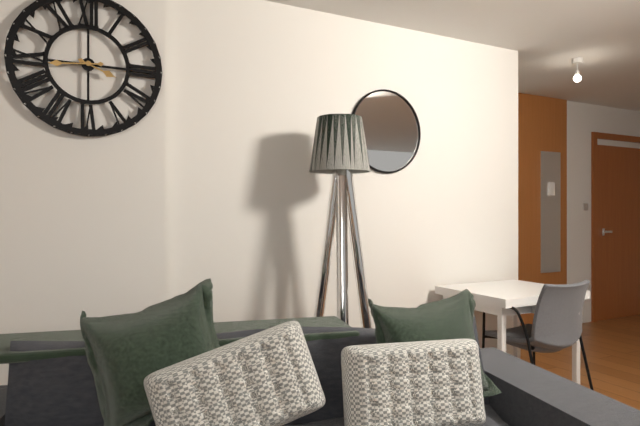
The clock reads 3:44
